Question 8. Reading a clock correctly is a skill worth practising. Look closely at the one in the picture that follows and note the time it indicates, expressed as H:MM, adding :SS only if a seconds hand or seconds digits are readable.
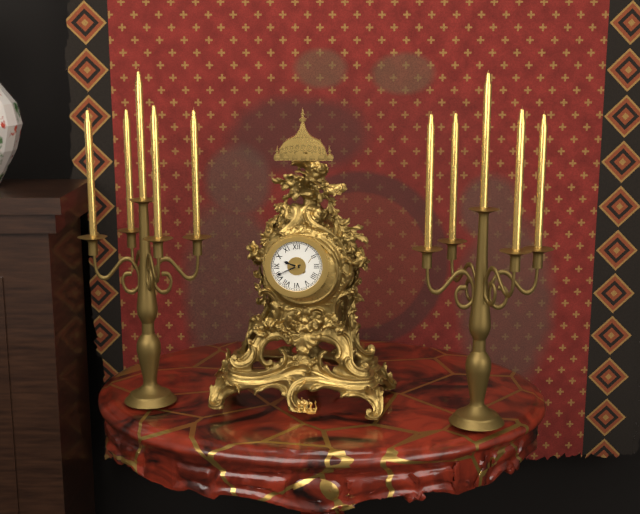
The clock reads 9:41
